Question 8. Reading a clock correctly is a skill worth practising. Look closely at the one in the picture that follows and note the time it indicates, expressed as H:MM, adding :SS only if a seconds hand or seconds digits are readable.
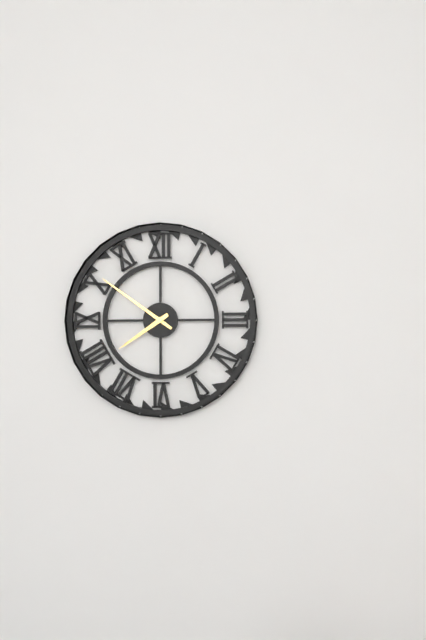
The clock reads 7:51
